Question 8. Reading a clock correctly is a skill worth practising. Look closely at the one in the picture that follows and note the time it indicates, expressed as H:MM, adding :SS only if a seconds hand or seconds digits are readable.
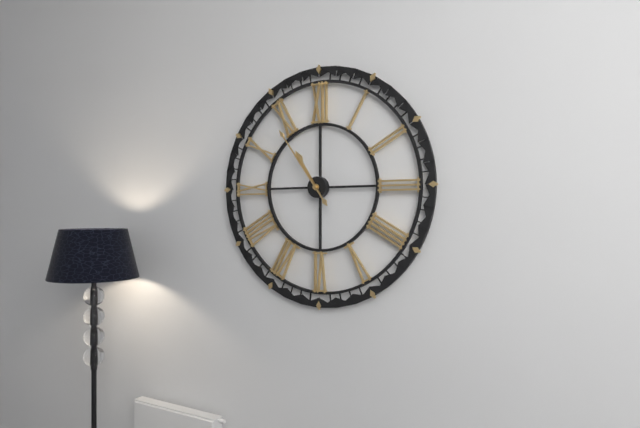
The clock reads 10:54
